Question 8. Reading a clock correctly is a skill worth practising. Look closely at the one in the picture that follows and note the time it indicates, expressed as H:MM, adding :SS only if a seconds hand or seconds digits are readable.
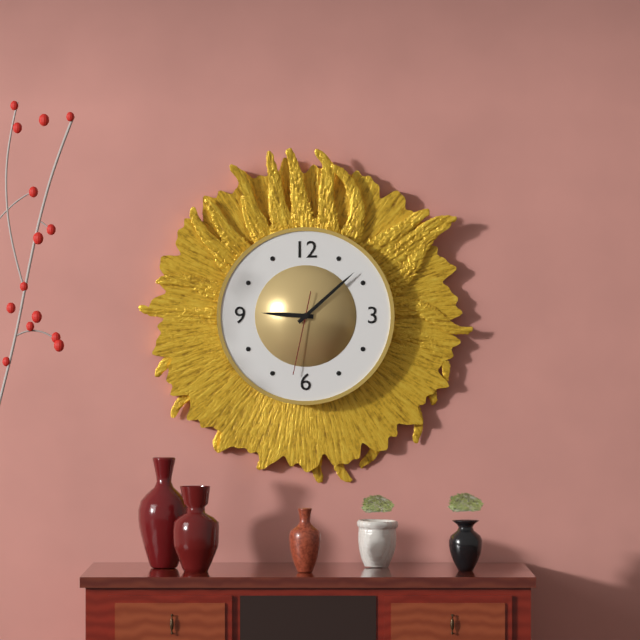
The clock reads 9:08:32
